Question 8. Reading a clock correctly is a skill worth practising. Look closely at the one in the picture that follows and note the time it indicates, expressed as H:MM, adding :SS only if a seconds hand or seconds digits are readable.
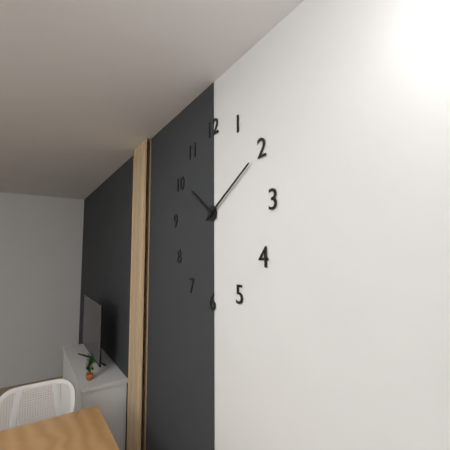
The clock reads 10:10
